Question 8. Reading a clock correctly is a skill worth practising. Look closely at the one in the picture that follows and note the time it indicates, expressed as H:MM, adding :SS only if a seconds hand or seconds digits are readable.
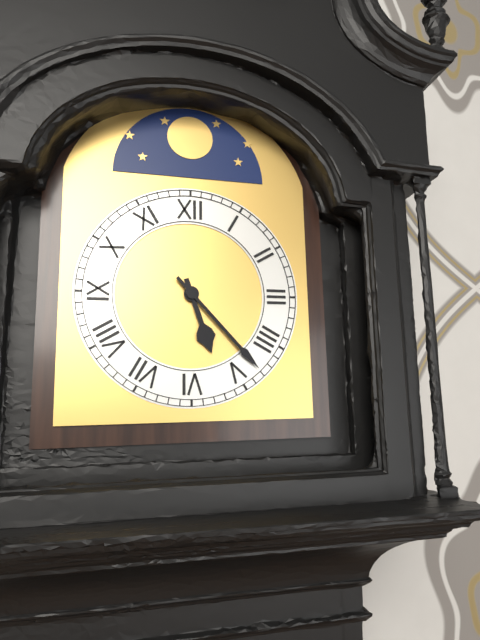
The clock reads 5:23
